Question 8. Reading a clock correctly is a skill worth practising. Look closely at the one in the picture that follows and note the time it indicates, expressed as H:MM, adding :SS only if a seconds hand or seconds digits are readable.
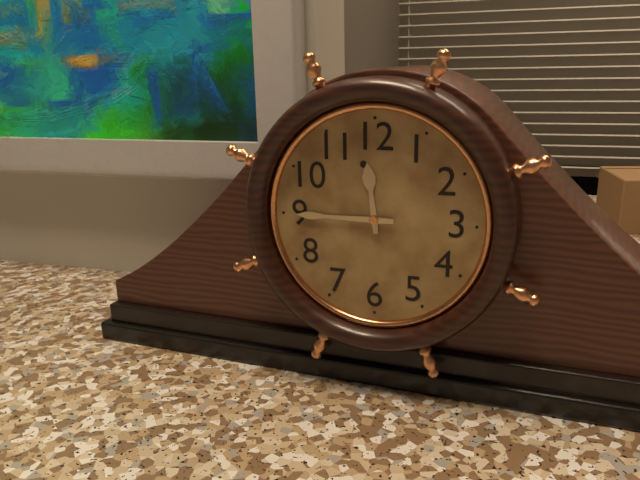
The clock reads 11:45
